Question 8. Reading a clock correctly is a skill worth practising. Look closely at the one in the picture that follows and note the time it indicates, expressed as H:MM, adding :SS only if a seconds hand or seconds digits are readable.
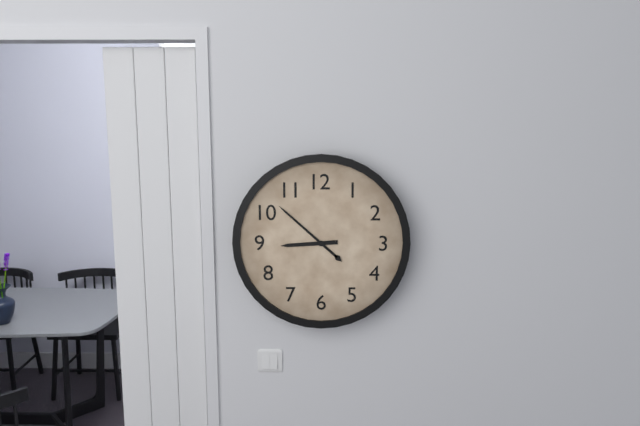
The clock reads 8:52
